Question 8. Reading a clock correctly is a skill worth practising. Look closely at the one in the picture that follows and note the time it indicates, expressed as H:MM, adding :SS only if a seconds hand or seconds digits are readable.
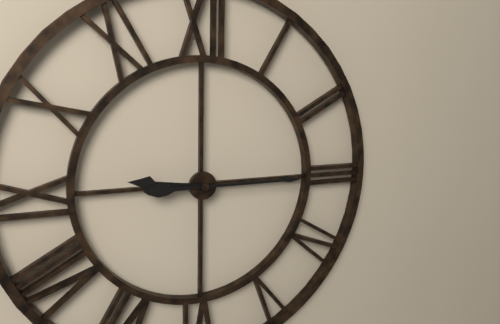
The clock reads 9:15
